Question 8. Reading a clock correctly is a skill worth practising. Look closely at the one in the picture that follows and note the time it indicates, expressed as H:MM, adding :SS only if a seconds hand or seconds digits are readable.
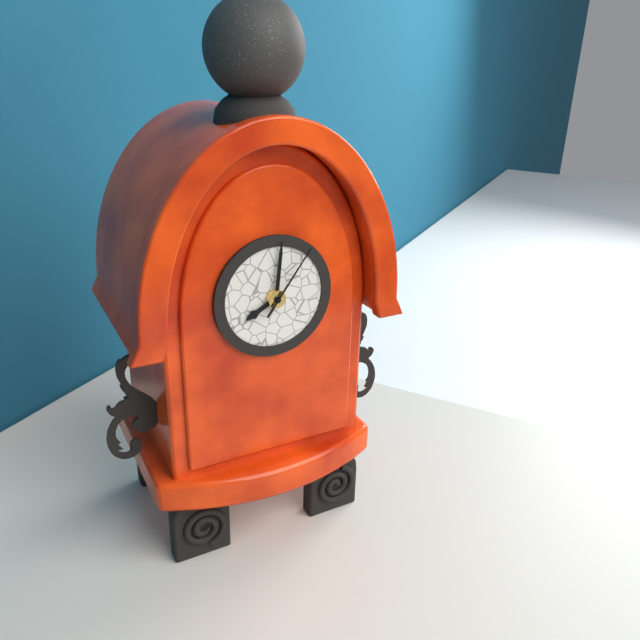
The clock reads 8:01:06
